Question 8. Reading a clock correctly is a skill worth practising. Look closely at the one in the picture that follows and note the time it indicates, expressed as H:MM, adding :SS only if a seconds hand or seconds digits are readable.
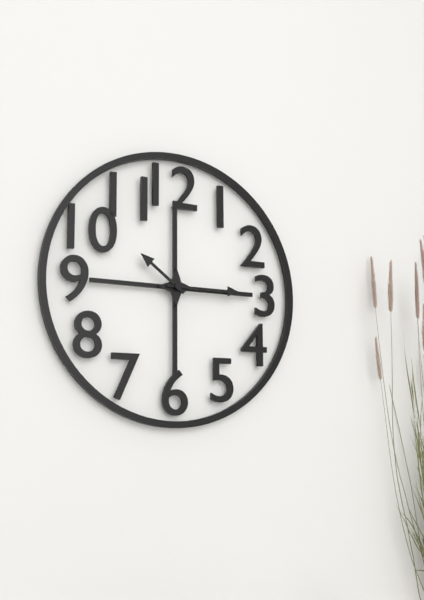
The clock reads 10:15
